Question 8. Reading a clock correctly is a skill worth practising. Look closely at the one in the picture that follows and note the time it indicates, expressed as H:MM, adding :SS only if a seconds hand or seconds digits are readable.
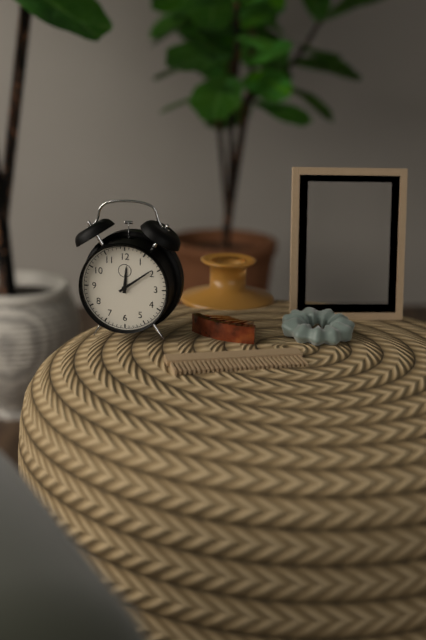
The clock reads 12:09
